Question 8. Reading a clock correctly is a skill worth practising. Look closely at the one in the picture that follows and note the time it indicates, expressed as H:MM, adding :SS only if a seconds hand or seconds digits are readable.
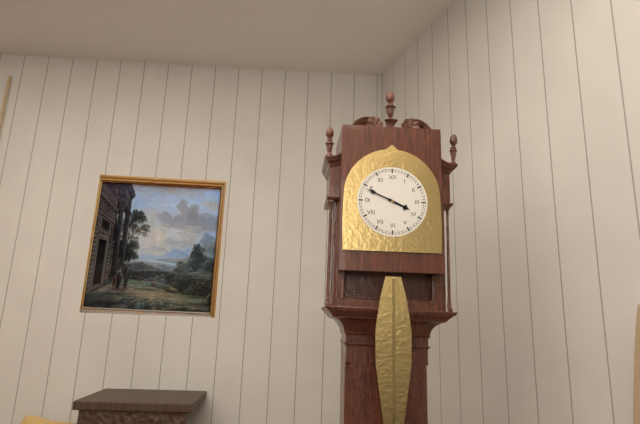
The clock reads 3:49
